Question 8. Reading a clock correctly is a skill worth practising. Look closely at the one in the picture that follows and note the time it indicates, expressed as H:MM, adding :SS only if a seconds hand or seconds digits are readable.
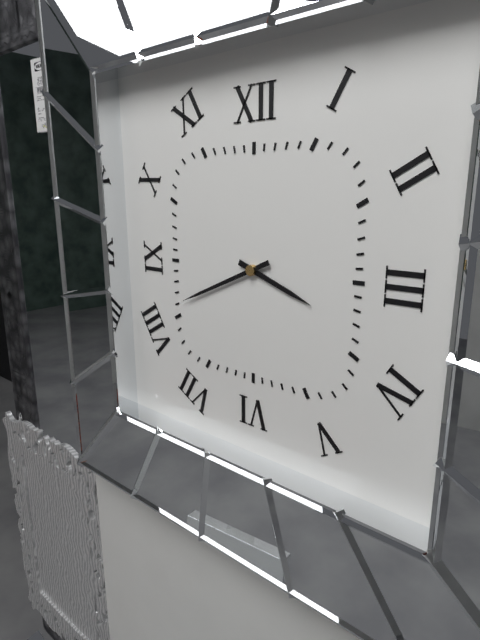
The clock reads 3:41
